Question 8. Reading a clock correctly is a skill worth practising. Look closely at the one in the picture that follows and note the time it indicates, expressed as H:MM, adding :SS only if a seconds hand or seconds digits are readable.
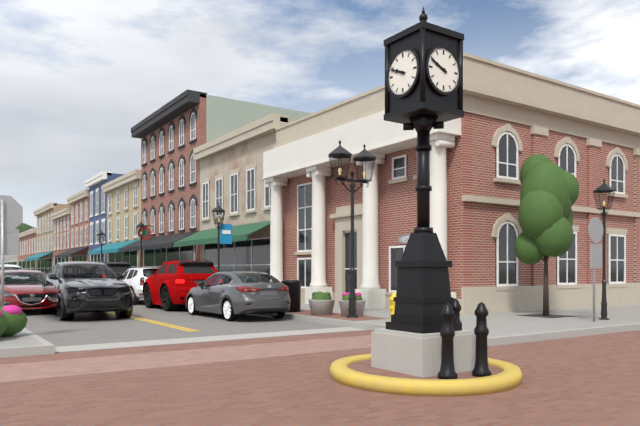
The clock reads 9:49
